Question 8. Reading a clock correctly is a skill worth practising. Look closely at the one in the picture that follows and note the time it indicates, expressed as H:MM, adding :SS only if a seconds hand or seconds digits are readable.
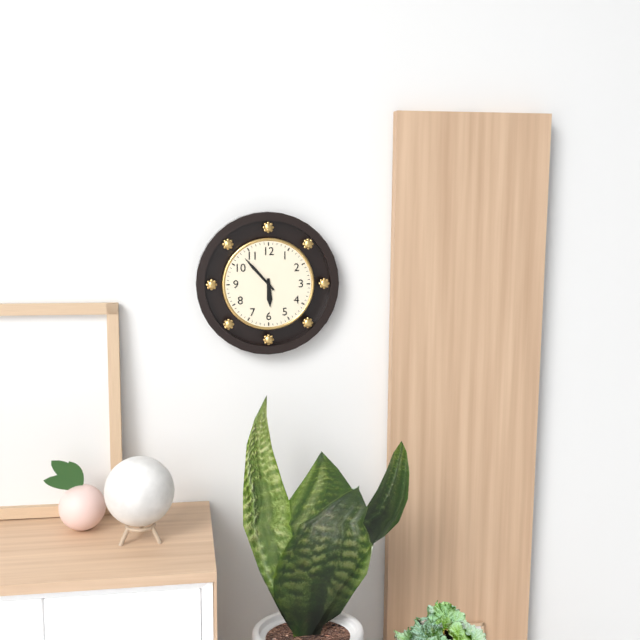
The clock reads 5:53
